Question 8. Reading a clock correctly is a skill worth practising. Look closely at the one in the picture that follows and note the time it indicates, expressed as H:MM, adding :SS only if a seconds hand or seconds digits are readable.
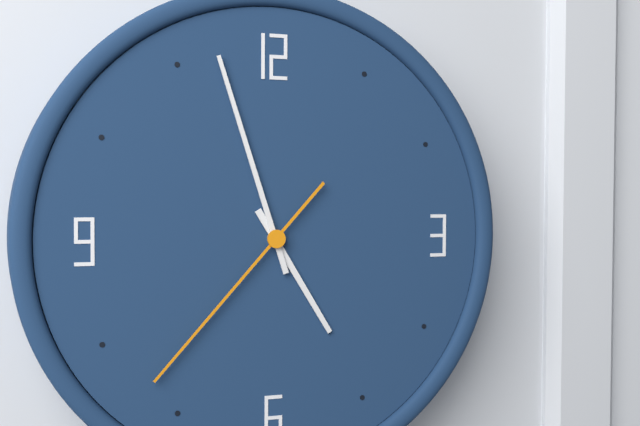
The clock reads 4:57:37
